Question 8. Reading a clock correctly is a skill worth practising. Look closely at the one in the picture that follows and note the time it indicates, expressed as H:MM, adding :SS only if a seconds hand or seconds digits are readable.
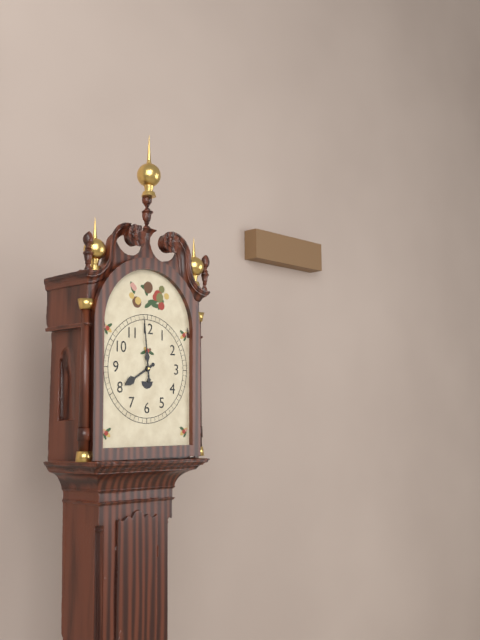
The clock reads 7:59
